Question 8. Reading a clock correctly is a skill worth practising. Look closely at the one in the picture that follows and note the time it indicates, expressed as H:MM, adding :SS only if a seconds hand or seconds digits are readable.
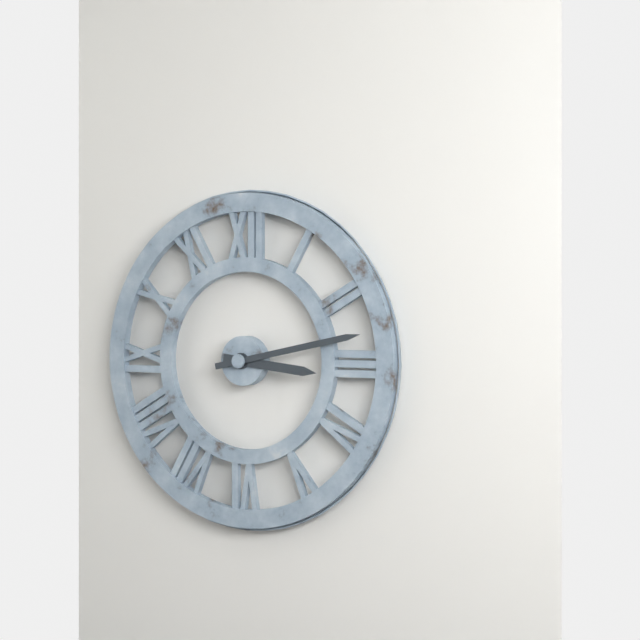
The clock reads 3:13
